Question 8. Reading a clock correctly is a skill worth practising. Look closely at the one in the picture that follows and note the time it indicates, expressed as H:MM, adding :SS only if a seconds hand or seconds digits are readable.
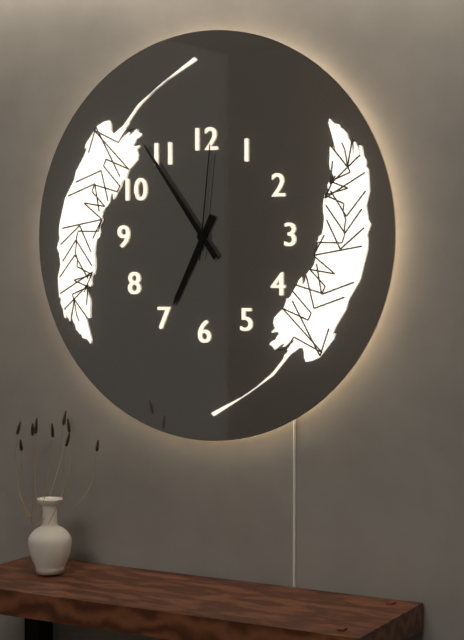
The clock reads 6:54:01
